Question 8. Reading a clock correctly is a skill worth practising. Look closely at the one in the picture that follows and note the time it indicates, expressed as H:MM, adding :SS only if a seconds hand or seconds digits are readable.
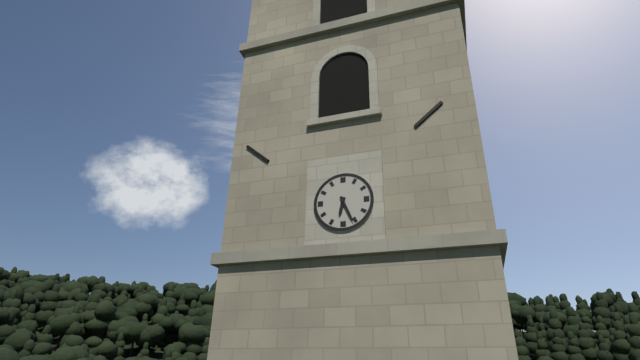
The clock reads 6:26
